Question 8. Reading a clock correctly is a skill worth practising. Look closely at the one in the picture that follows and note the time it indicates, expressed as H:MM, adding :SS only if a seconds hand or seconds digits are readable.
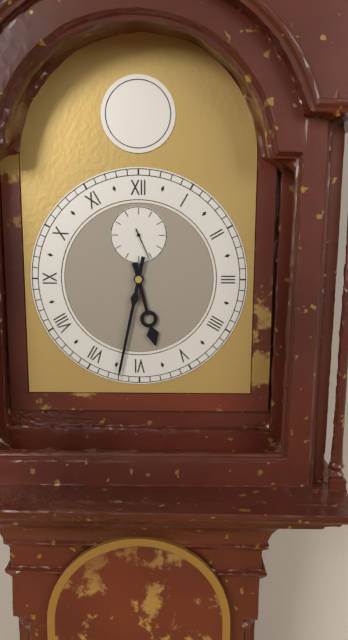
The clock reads 5:32
